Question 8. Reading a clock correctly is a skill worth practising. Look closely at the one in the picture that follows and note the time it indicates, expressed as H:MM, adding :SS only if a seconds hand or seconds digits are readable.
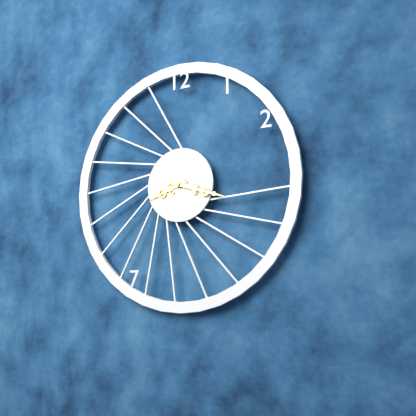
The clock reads 8:18
